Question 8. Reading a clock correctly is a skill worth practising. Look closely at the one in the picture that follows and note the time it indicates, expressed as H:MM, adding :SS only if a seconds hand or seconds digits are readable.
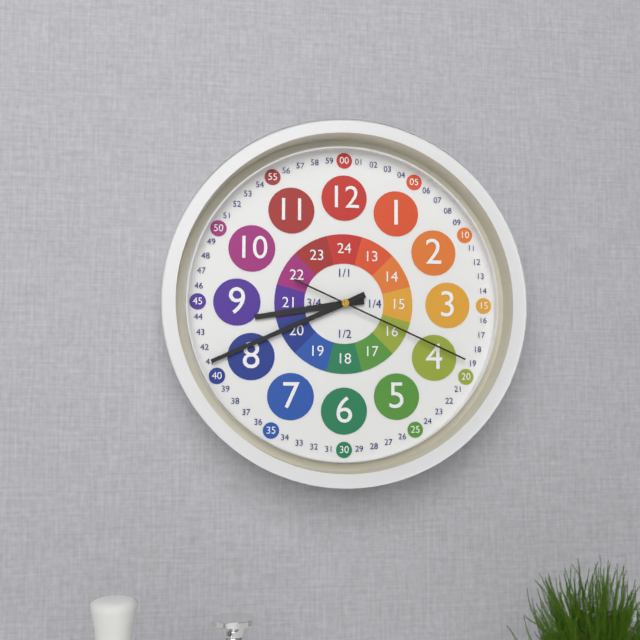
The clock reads 8:41:19
